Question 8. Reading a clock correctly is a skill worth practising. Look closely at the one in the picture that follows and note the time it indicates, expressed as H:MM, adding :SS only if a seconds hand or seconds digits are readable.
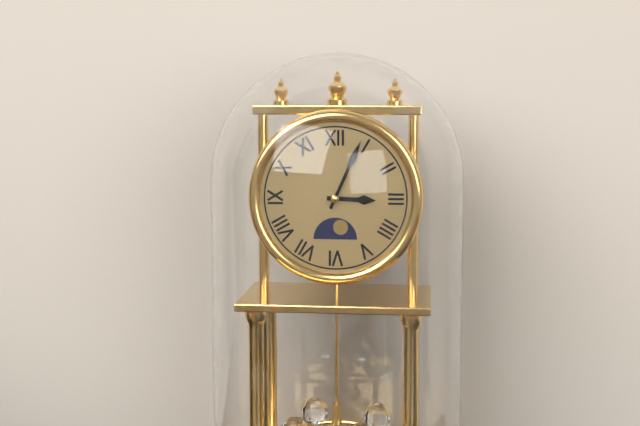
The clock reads 3:04
